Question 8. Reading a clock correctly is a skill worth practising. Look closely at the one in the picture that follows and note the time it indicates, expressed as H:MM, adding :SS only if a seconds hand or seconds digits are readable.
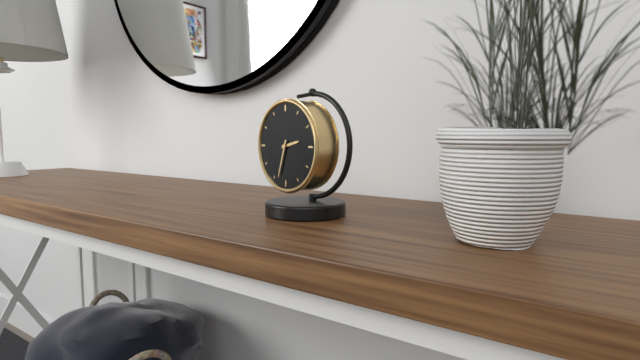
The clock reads 2:33
